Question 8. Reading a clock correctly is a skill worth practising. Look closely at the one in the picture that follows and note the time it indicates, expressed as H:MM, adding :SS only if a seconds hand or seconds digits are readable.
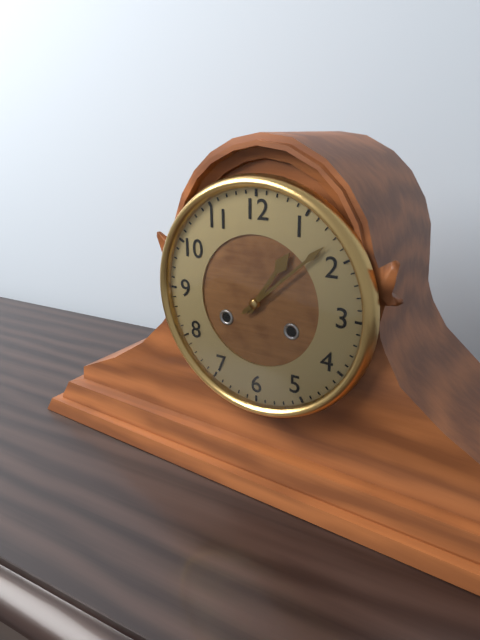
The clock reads 1:08
